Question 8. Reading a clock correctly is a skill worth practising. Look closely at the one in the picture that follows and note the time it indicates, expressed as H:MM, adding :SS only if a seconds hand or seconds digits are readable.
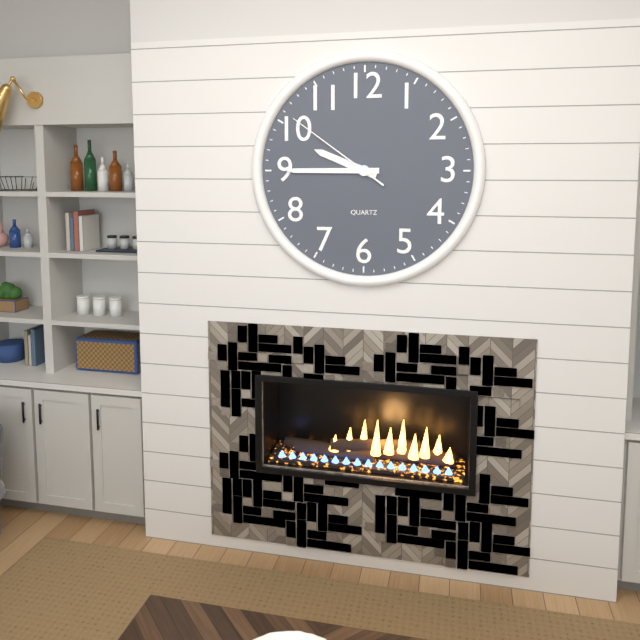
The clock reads 9:45:51
